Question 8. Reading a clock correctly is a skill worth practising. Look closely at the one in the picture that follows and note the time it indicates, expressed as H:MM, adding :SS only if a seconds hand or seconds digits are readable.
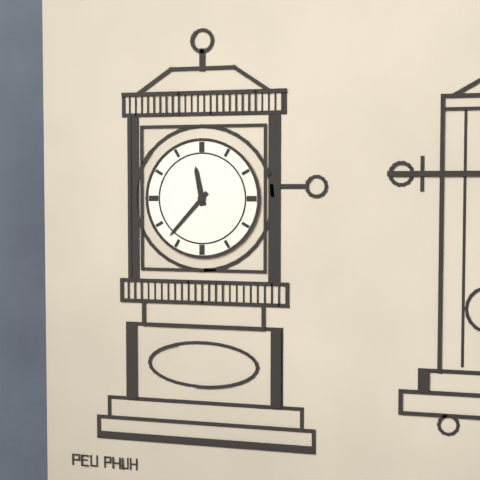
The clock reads 11:37
